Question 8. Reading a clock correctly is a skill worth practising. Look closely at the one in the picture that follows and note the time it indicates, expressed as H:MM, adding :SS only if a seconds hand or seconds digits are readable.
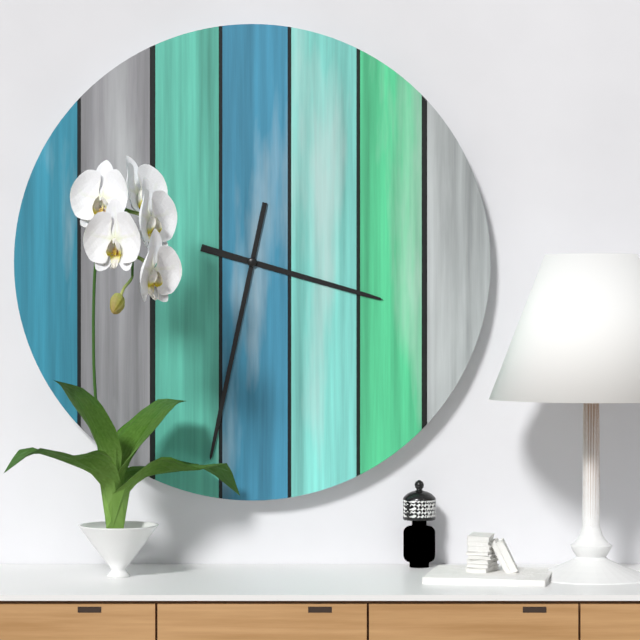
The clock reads 3:32
